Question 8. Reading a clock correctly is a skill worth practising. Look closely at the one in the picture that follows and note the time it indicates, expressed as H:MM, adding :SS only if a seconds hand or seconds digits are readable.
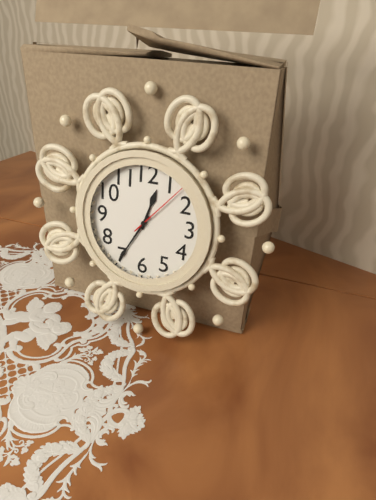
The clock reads 12:35:07
